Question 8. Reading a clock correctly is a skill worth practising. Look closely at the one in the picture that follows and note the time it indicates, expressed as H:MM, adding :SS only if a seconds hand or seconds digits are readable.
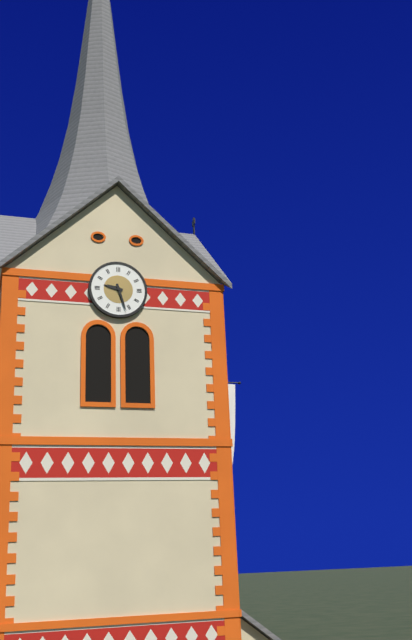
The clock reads 9:27
